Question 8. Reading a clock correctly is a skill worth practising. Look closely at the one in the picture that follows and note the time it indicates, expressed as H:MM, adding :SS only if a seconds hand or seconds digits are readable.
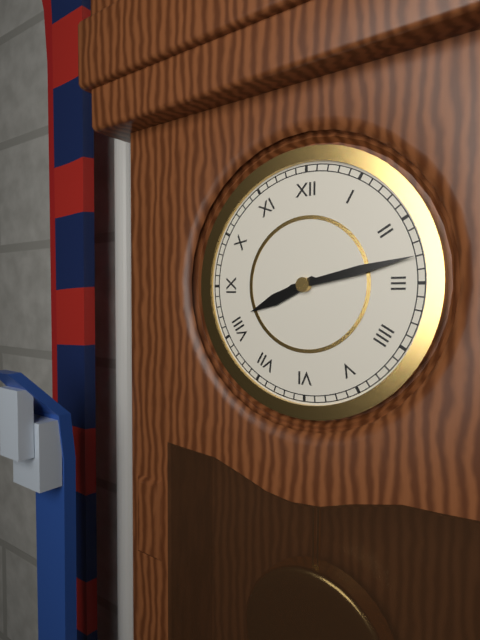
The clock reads 8:13
